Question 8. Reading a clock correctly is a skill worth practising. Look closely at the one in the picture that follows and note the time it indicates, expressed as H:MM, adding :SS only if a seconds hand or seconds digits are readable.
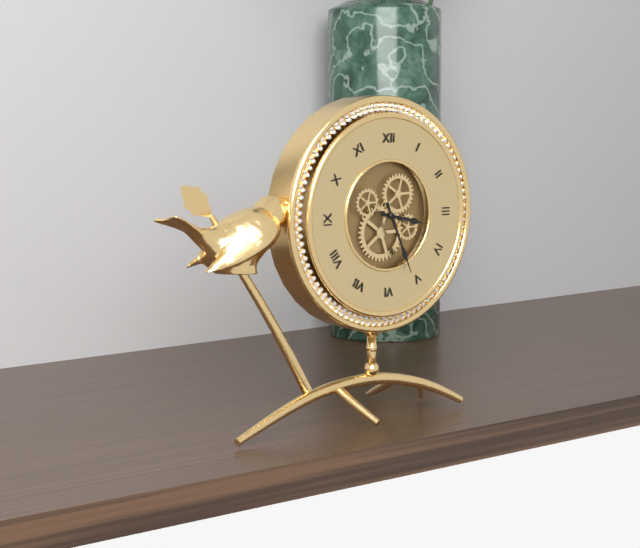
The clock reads 3:26
